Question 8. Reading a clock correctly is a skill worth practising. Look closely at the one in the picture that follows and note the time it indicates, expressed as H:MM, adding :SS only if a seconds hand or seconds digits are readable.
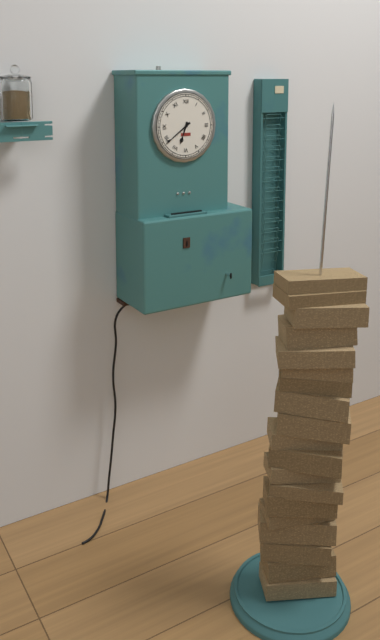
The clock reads 6:39
